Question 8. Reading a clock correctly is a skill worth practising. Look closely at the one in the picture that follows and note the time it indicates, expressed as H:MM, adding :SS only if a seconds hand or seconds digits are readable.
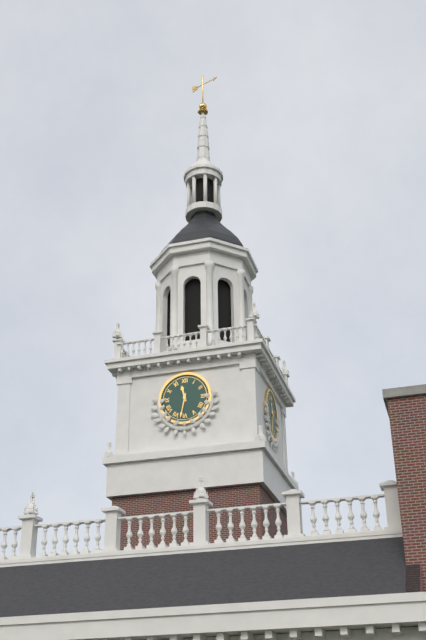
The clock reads 11:32
